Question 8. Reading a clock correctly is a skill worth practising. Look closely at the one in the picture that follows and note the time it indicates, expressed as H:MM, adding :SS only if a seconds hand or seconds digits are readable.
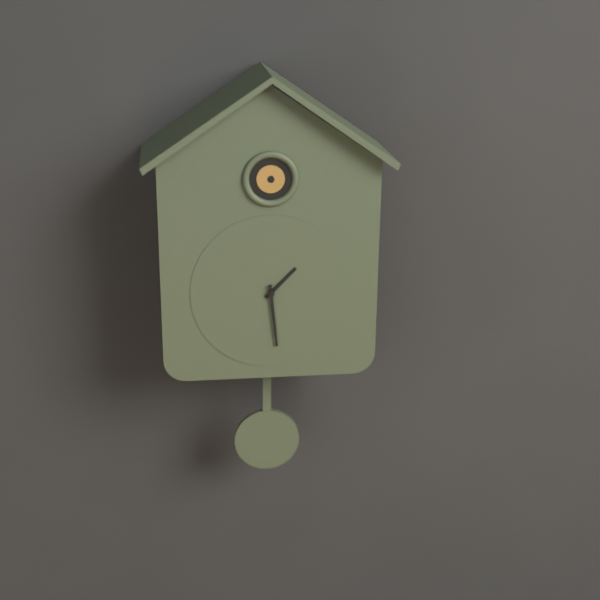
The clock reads 1:29
